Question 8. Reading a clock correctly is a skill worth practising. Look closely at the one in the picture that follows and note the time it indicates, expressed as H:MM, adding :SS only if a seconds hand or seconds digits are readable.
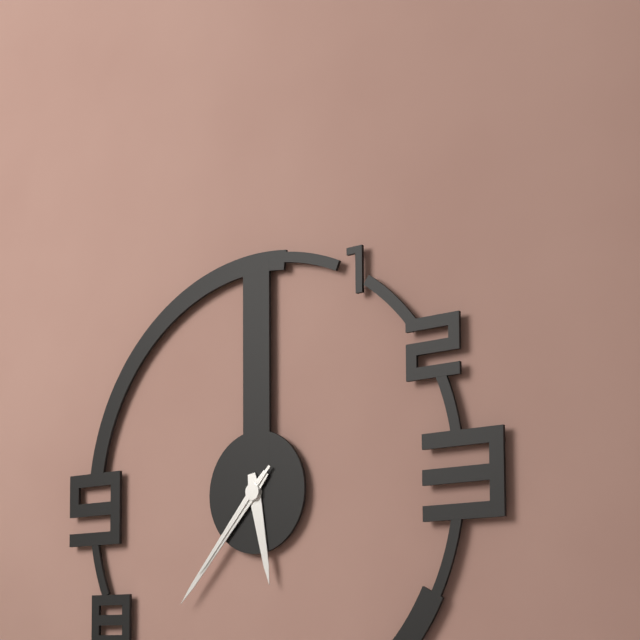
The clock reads 5:37:37
